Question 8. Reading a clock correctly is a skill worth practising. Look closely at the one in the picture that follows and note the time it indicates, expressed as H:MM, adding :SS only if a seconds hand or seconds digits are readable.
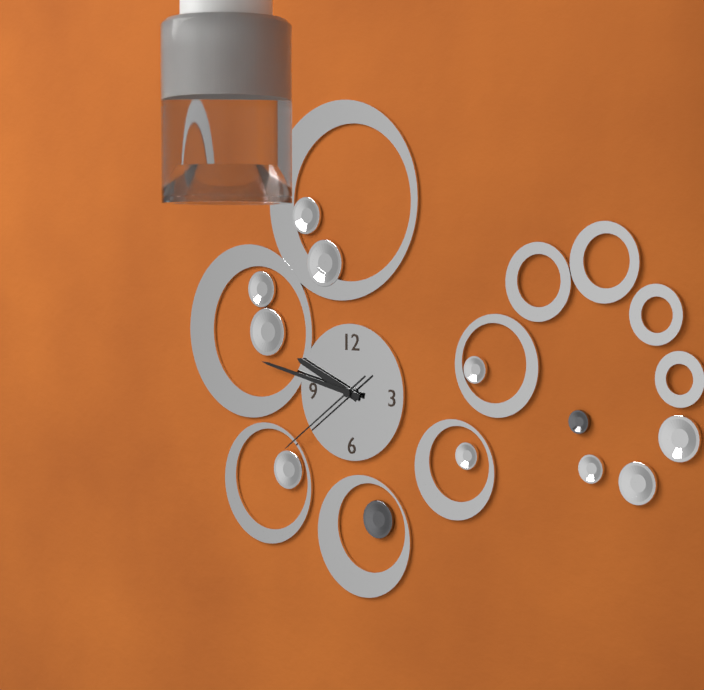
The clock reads 9:47:39
